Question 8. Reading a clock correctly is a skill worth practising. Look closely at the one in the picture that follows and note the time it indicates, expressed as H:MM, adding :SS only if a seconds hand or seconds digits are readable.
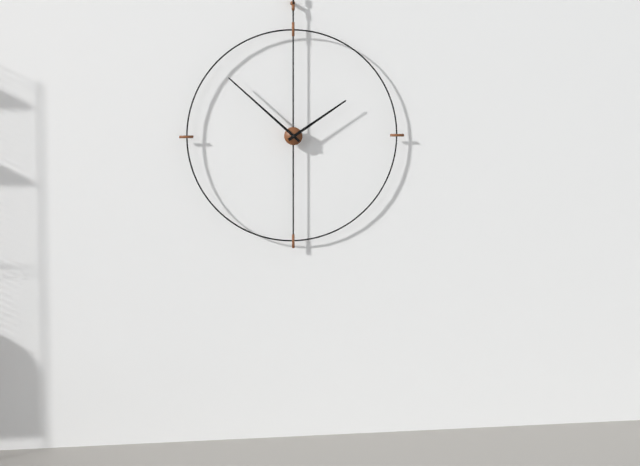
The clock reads 1:52
